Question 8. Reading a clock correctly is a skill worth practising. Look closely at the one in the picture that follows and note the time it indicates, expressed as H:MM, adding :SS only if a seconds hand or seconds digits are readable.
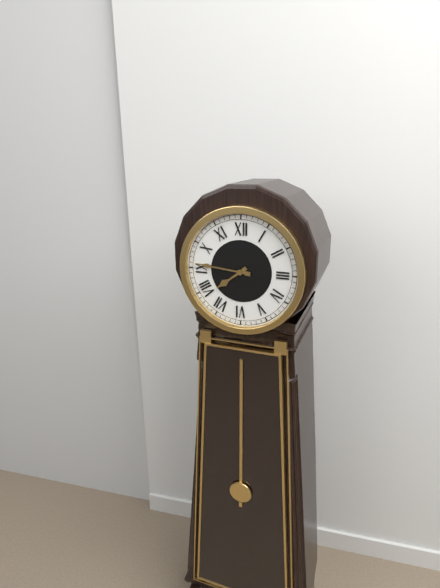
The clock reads 7:46
